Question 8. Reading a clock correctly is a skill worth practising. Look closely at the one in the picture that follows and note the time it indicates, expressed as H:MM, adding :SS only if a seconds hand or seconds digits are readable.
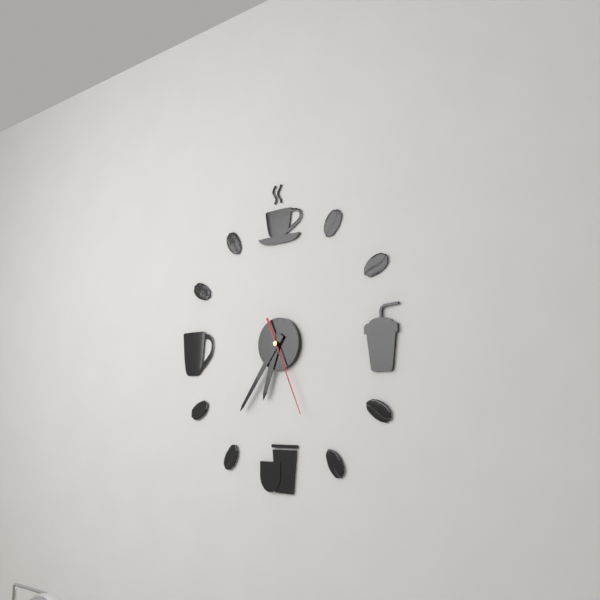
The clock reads 6:36:26
